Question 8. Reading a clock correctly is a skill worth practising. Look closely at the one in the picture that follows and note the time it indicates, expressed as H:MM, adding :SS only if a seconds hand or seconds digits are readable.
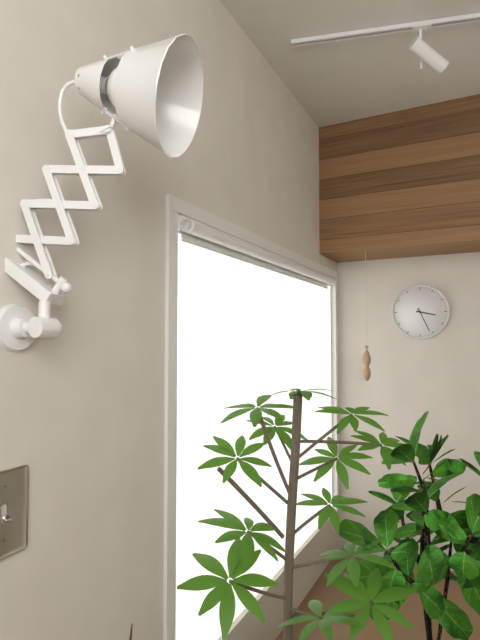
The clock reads 3:26
